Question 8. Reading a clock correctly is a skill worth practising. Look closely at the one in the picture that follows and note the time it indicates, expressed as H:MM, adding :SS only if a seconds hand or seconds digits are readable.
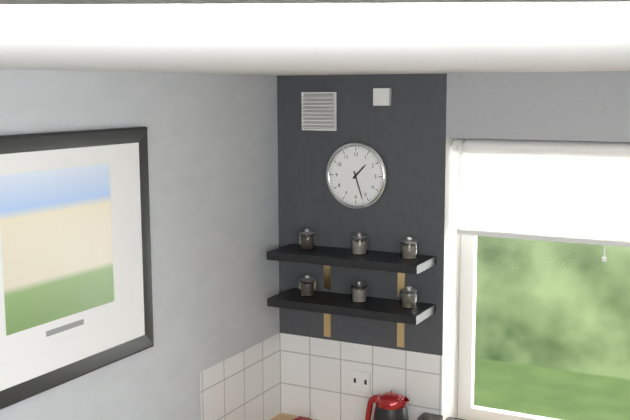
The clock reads 1:27
